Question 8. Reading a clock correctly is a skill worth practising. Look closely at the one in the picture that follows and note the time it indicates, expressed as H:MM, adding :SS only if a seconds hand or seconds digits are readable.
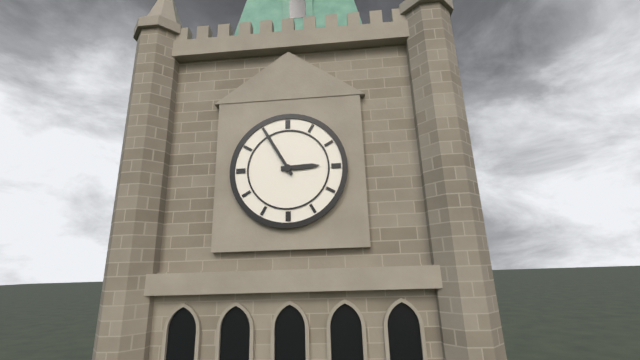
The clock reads 2:55
